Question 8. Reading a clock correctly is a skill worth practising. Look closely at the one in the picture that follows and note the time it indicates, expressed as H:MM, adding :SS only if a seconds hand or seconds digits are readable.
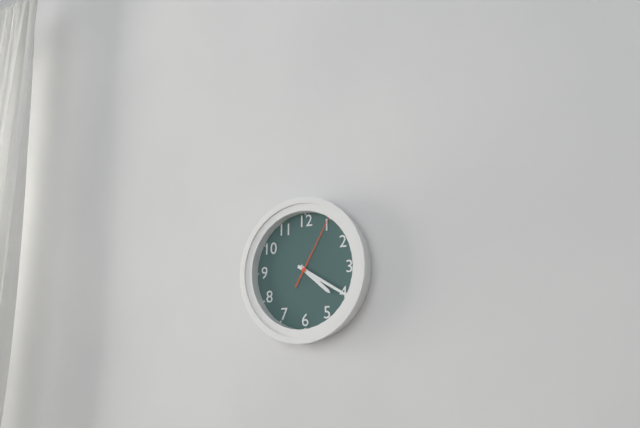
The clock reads 4:20:05
